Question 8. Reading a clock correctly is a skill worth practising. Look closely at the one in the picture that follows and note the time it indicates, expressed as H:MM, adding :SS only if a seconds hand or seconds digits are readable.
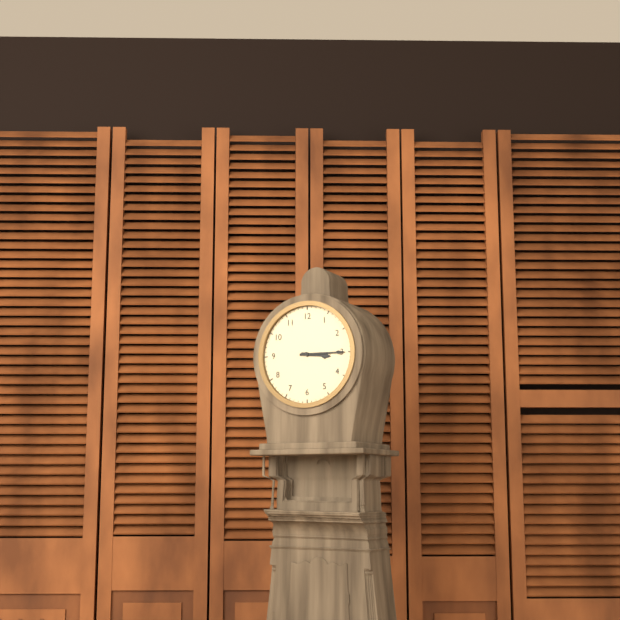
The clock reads 3:15
